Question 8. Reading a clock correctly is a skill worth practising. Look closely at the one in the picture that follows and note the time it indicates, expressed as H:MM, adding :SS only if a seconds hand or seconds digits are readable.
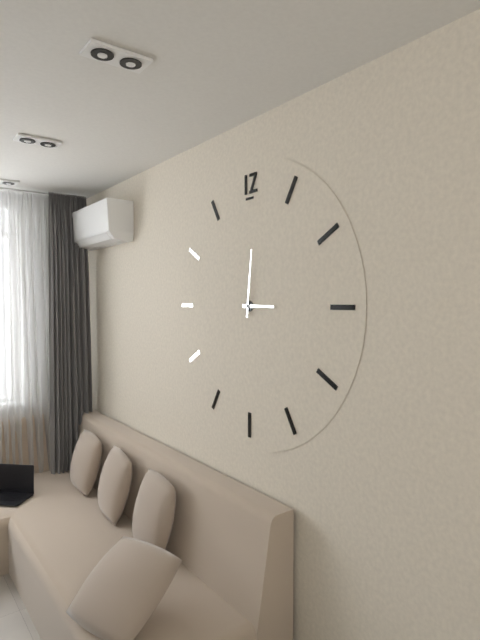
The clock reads 3:01
